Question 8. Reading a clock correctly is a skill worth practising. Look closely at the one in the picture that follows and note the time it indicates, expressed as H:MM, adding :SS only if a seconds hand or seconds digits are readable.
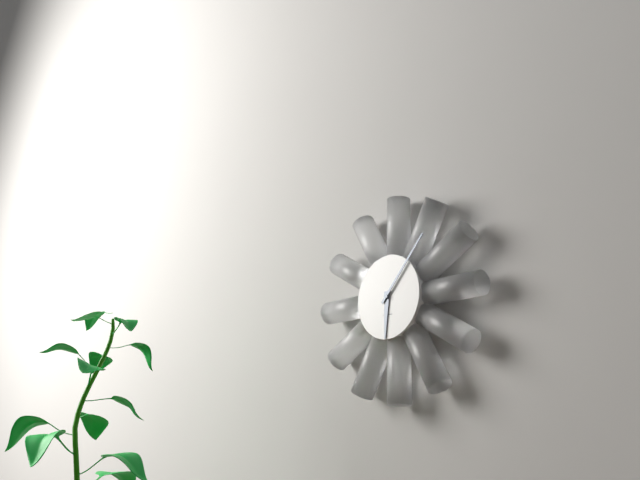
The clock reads 6:07
